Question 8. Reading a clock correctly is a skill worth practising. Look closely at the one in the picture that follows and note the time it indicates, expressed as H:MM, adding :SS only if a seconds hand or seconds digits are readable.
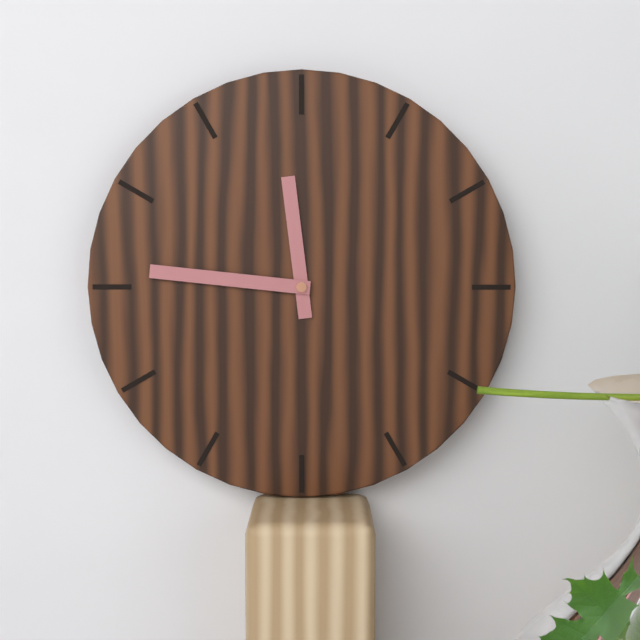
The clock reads 11:46
